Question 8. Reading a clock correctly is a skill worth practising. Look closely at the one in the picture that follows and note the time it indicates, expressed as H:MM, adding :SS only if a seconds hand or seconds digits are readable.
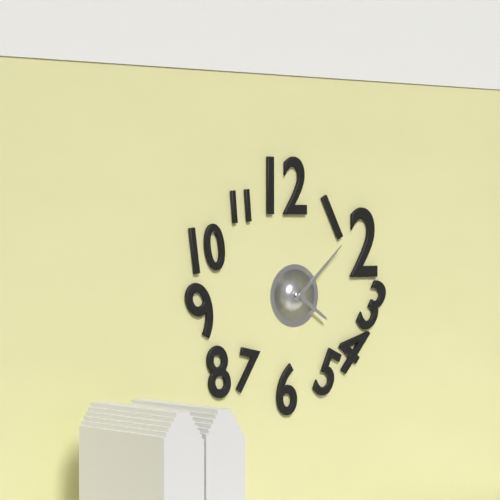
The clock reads 4:08
